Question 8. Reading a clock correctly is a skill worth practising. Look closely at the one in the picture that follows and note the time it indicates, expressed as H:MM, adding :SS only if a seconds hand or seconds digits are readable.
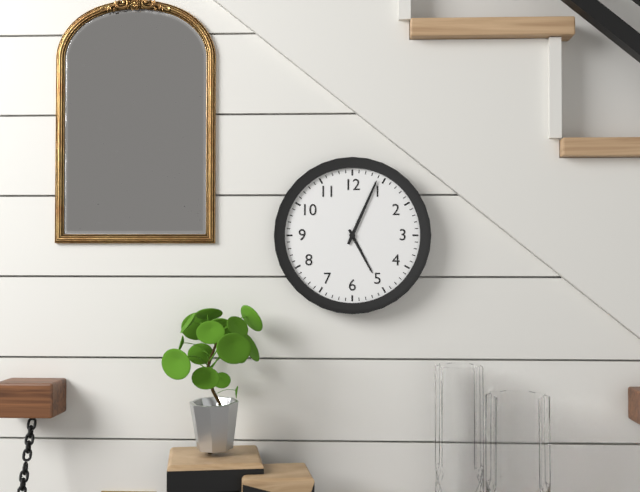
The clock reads 5:04
